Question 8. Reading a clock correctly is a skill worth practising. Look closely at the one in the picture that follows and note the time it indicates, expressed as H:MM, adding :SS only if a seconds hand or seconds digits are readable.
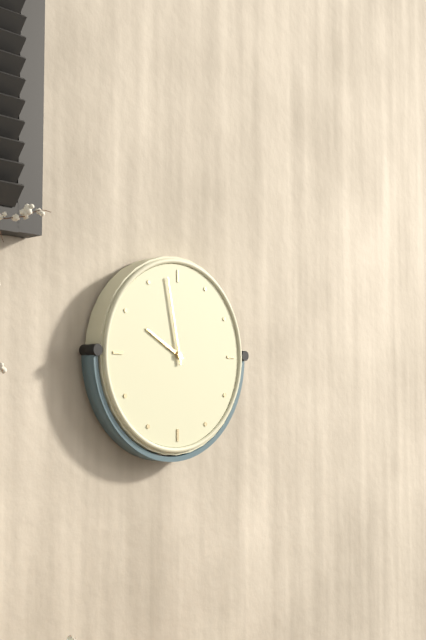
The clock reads 9:58
